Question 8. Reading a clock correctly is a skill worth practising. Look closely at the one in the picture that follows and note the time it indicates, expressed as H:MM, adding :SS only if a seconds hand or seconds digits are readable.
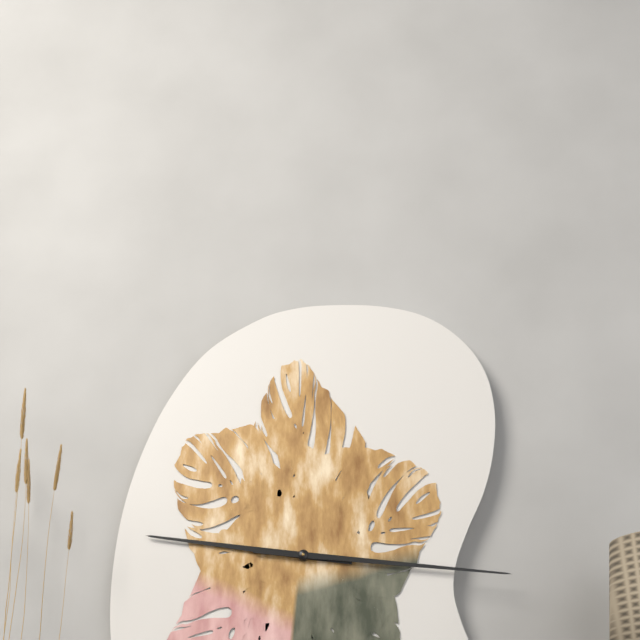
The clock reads 9:16
